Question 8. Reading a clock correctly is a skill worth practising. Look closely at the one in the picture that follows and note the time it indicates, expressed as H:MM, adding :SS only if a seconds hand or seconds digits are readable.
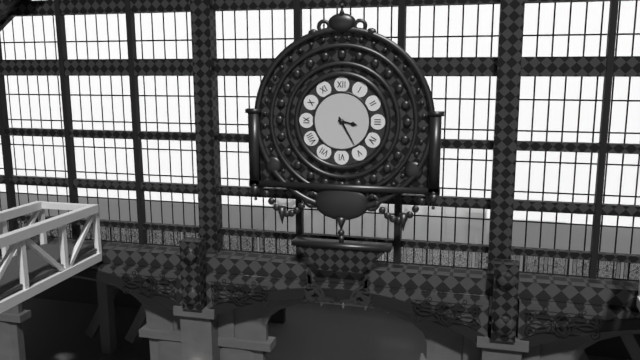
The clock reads 3:25
